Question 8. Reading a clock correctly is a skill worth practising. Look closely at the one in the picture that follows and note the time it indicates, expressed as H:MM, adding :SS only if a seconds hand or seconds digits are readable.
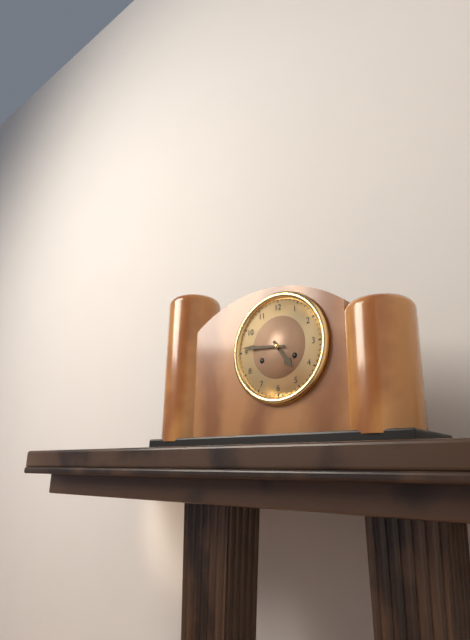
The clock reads 4:46
